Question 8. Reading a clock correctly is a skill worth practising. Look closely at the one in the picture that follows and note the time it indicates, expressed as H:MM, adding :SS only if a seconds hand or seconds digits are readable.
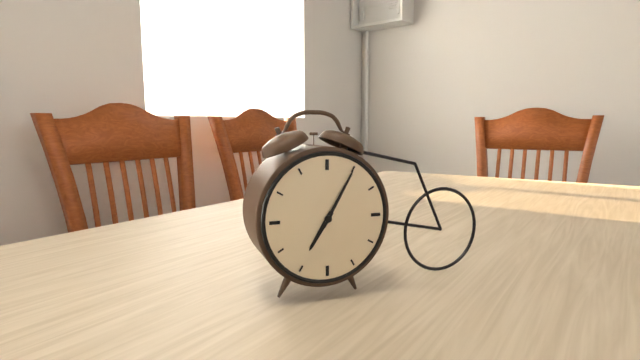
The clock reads 7:05
